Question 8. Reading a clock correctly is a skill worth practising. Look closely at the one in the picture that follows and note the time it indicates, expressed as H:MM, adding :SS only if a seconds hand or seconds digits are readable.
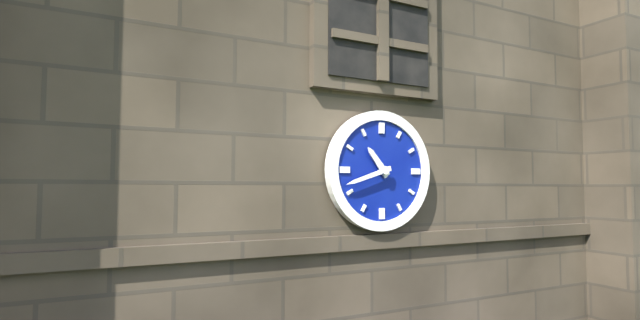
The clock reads 10:42
